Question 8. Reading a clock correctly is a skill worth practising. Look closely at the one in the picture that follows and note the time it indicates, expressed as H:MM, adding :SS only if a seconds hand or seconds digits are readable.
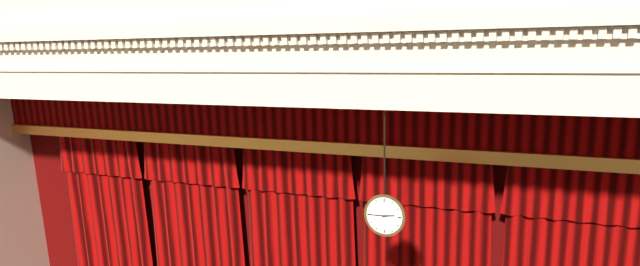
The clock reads 2:45
